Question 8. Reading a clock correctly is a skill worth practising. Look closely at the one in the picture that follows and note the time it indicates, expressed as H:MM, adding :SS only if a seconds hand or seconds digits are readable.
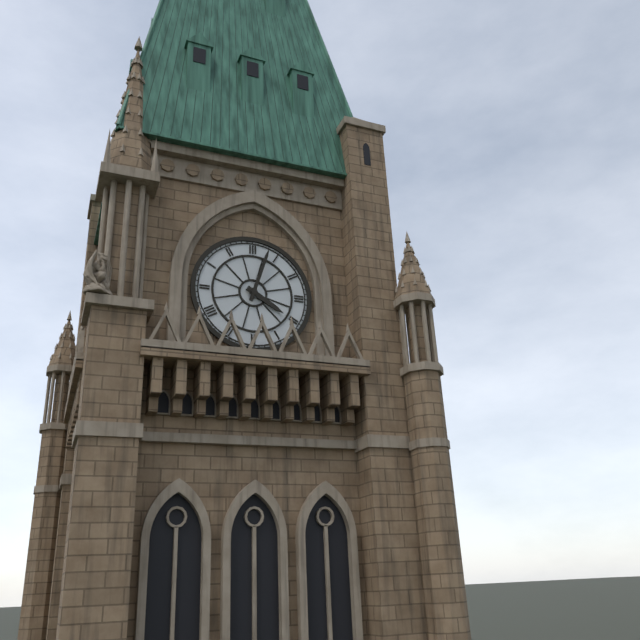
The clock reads 4:03
